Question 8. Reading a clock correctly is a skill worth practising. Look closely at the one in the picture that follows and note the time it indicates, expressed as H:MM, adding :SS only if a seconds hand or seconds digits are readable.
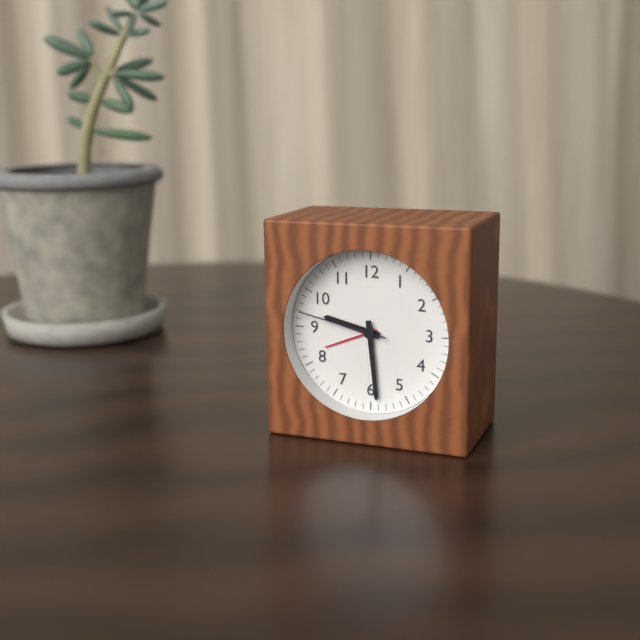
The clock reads 9:29:47
